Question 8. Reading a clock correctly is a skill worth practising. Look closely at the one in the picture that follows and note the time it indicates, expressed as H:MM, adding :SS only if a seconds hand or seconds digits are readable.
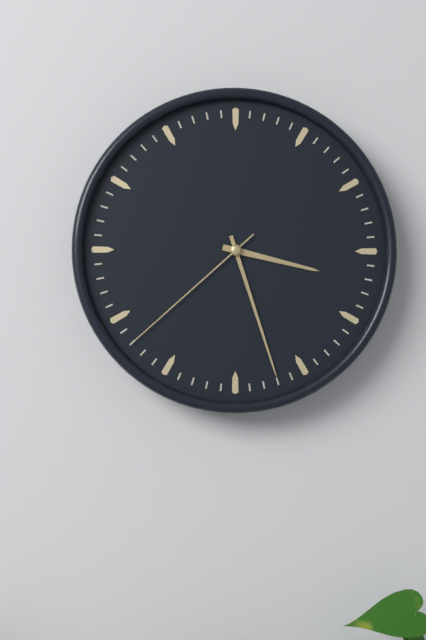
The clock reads 3:27:38
